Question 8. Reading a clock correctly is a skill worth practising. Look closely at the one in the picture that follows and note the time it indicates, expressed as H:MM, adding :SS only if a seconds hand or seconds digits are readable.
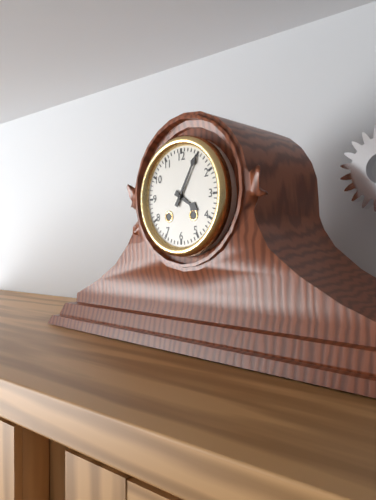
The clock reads 4:05
